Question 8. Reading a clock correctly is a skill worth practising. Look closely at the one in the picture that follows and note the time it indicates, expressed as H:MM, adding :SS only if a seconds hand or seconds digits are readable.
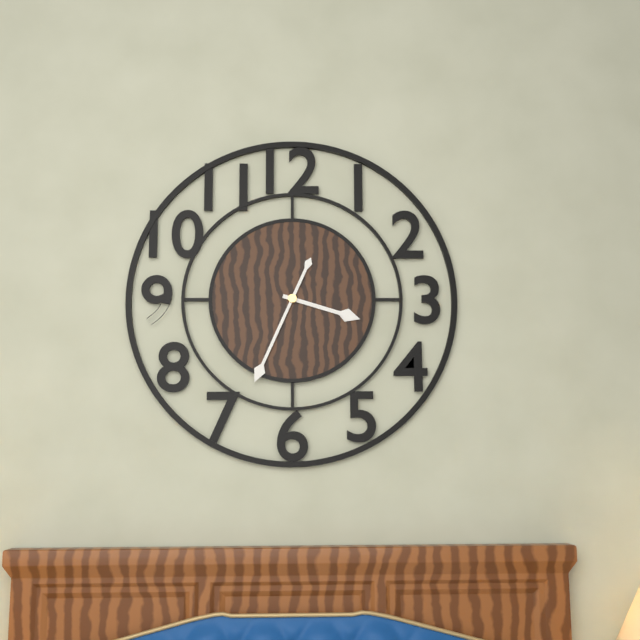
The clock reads 3:34
